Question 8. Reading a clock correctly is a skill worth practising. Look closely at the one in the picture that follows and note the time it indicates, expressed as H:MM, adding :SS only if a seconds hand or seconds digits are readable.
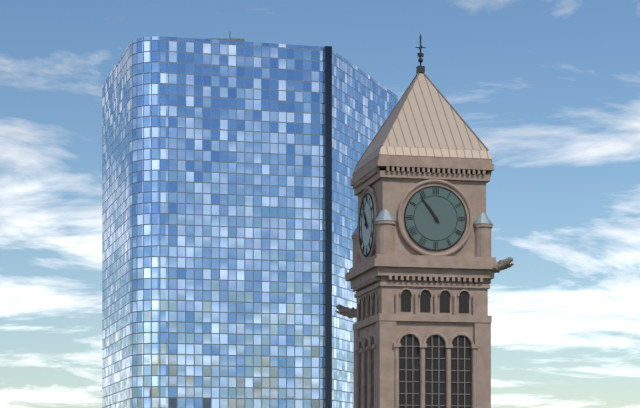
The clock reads 10:54
